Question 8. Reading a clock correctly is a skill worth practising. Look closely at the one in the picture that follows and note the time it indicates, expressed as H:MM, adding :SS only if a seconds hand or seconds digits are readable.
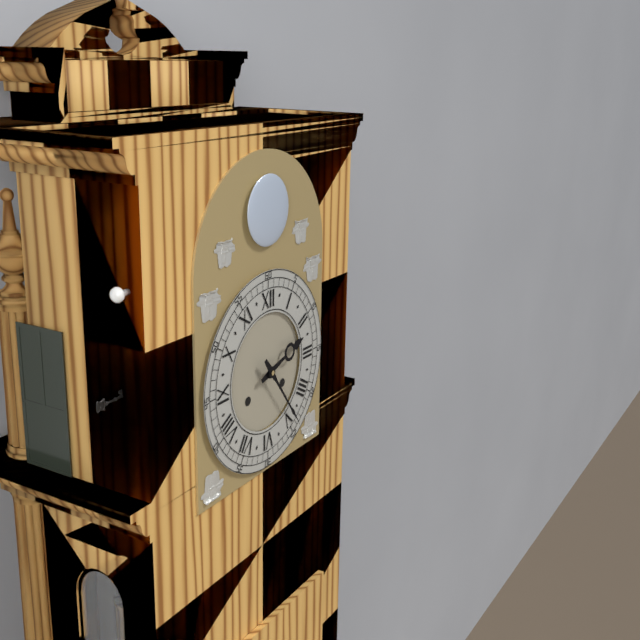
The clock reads 2:24
